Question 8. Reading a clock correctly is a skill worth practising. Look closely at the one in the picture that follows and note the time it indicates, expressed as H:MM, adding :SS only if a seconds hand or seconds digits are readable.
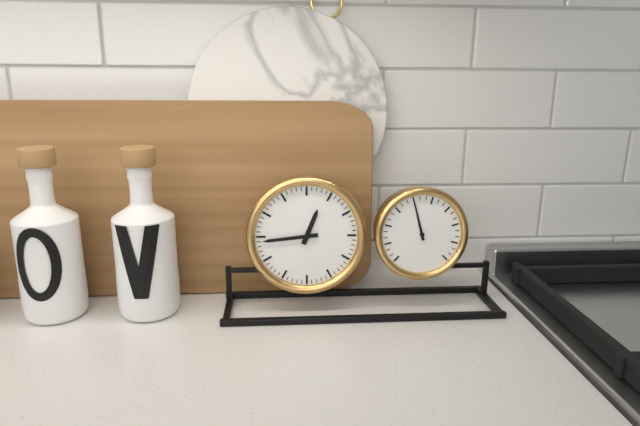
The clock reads 12:44
